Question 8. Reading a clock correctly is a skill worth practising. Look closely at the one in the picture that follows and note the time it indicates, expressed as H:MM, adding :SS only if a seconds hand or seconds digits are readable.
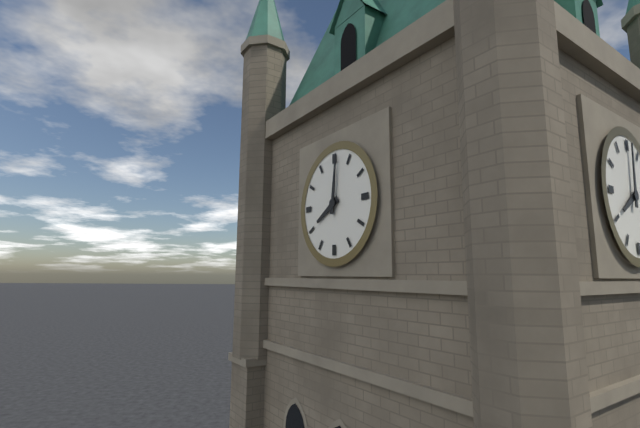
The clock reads 8:01
